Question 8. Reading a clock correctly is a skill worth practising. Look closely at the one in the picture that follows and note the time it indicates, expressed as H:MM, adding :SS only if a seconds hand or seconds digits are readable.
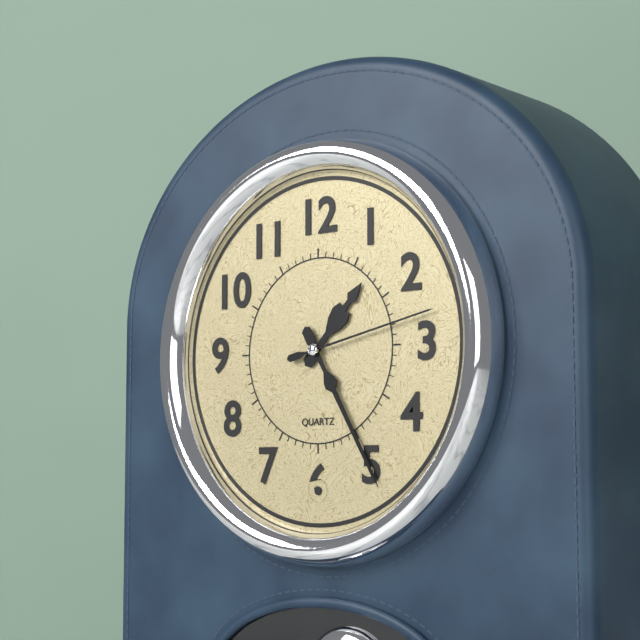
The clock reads 1:25:13
